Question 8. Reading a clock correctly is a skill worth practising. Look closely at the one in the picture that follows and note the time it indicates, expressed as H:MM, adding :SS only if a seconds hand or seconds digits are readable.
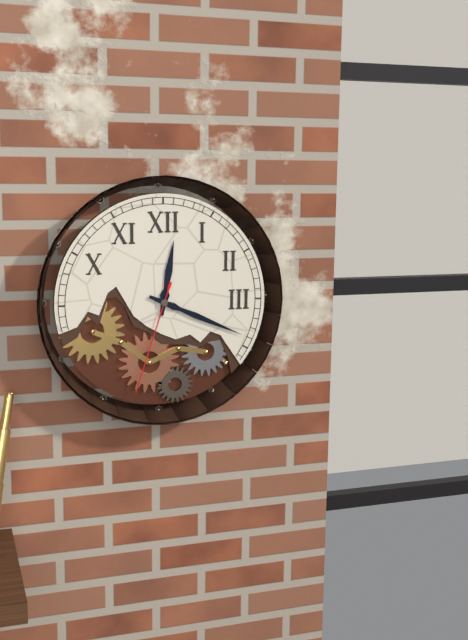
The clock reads 12:19:33
